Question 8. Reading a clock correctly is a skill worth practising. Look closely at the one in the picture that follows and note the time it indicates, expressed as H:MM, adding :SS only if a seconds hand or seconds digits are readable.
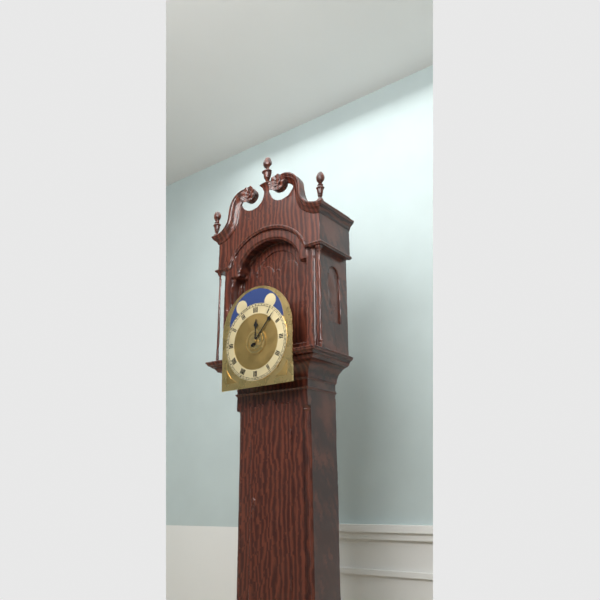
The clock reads 12:07
